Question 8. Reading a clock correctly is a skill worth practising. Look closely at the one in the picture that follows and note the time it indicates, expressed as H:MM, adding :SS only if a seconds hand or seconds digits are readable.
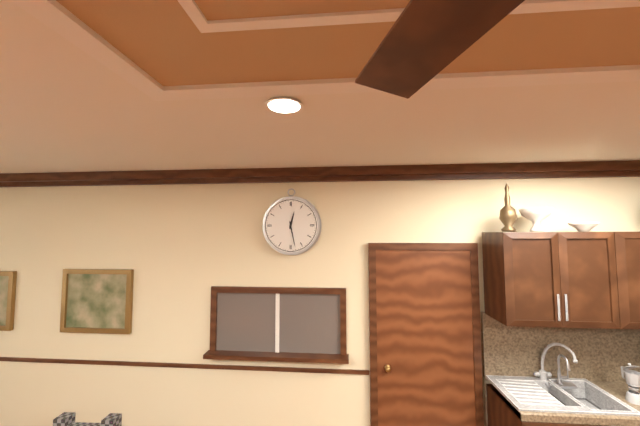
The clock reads 12:28
